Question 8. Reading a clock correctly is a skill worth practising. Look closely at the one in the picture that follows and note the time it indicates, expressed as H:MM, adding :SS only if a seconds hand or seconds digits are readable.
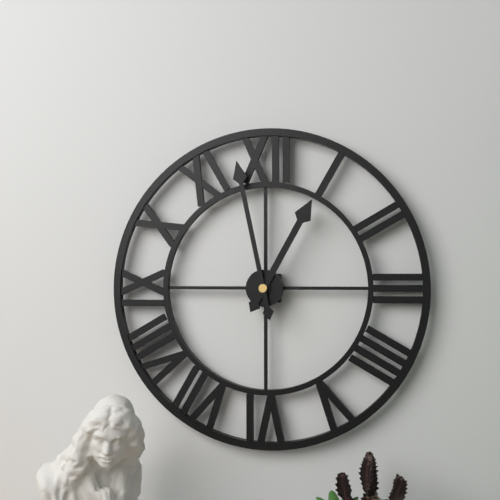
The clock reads 12:58
